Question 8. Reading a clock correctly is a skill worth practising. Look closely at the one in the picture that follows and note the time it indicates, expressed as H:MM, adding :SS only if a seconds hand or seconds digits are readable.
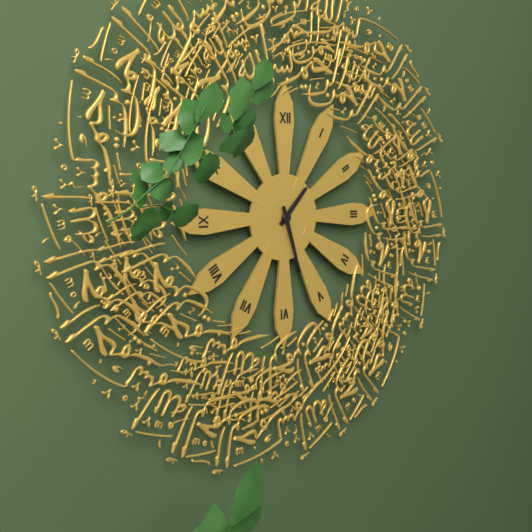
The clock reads 1:27
